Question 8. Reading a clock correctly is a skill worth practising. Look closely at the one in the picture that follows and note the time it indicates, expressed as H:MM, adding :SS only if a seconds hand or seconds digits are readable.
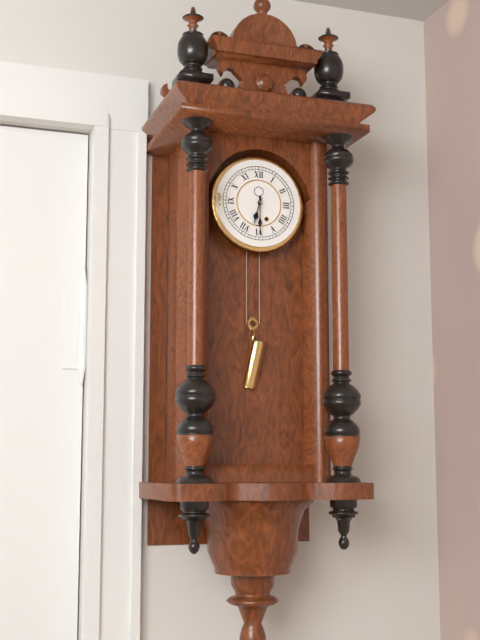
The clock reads 6:30
